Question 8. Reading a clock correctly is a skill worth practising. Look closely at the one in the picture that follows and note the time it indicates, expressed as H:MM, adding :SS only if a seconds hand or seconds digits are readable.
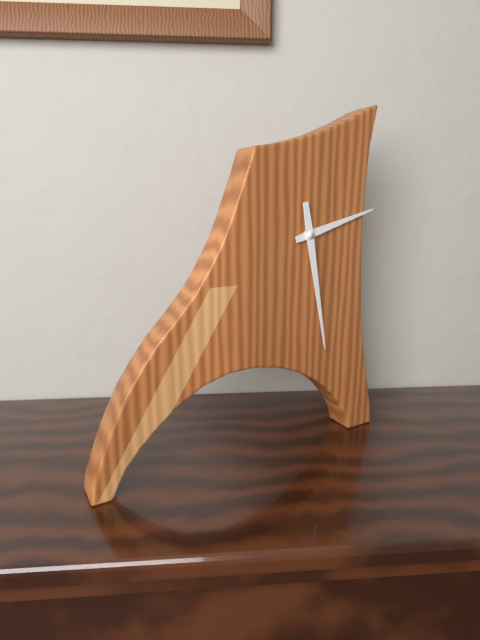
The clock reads 2:28
